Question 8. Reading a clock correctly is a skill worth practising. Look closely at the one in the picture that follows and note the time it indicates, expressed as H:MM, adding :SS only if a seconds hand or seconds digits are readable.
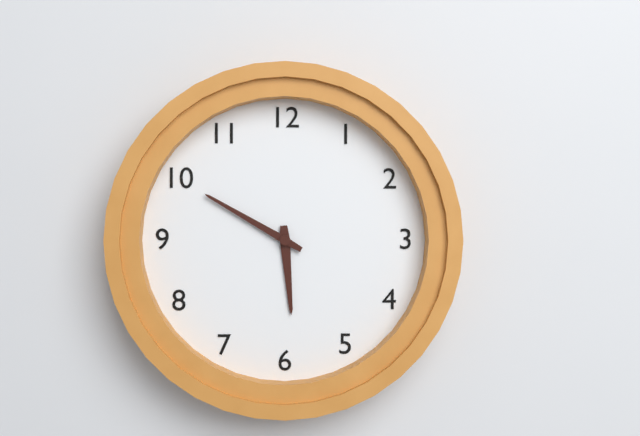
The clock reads 5:50
